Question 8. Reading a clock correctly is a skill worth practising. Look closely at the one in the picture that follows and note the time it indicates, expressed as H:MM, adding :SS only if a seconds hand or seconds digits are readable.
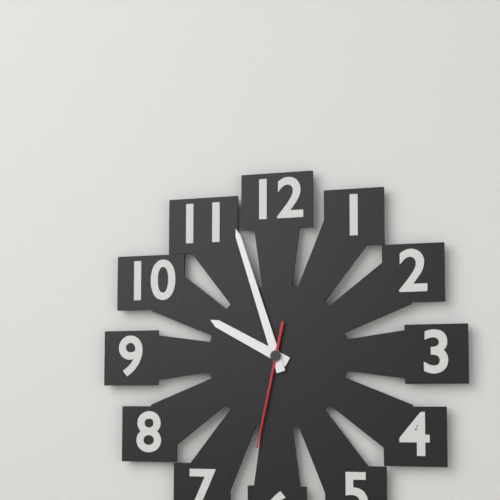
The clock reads 9:57:32
